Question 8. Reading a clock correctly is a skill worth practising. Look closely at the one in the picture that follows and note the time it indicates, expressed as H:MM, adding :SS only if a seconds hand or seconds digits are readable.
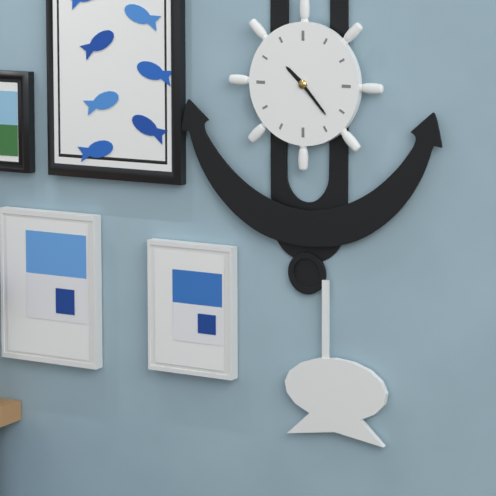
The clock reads 10:23
